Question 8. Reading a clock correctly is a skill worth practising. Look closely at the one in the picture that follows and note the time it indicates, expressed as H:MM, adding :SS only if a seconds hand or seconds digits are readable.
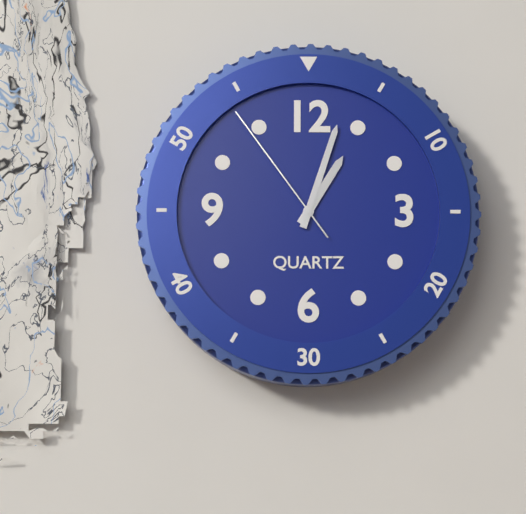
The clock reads 1:03:54
